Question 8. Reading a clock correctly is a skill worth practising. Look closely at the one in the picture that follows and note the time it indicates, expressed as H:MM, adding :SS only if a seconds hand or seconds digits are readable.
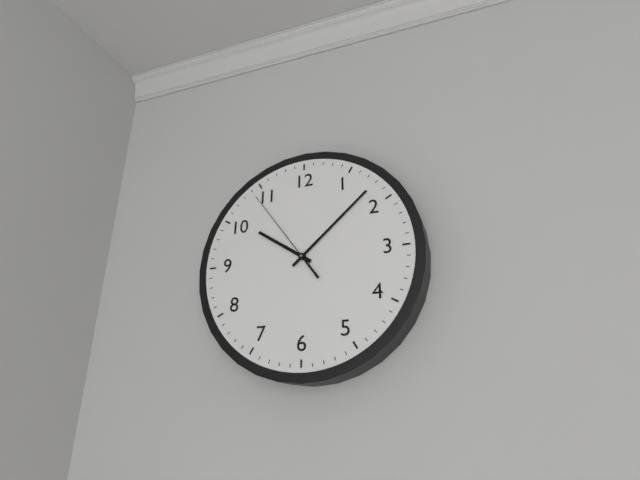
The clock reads 10:08:54
